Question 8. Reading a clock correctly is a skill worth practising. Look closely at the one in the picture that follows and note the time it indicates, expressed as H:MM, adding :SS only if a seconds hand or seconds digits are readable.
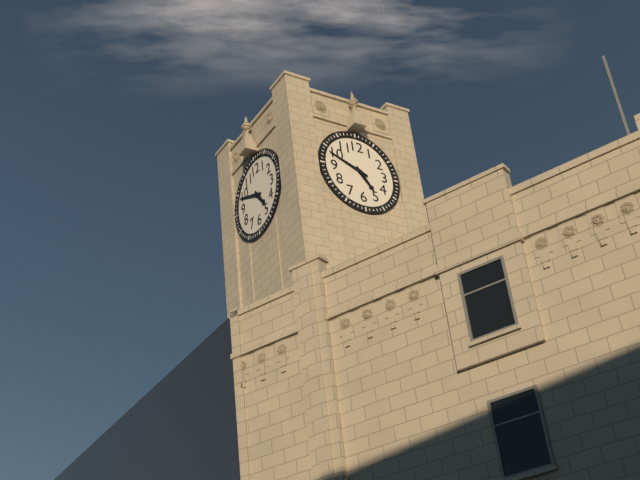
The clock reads 4:49
